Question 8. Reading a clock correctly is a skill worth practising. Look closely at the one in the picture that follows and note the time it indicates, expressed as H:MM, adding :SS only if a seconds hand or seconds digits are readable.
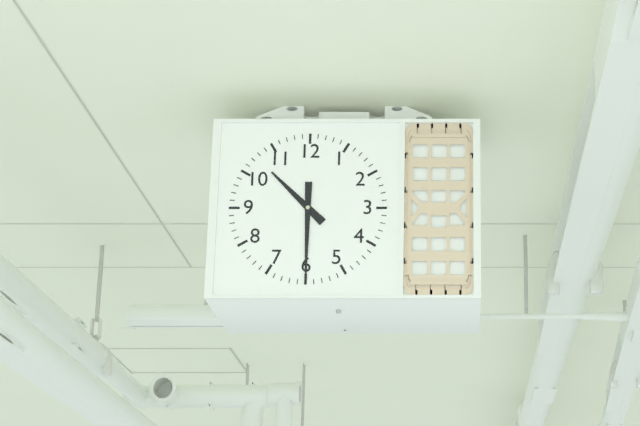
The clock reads 10:30
